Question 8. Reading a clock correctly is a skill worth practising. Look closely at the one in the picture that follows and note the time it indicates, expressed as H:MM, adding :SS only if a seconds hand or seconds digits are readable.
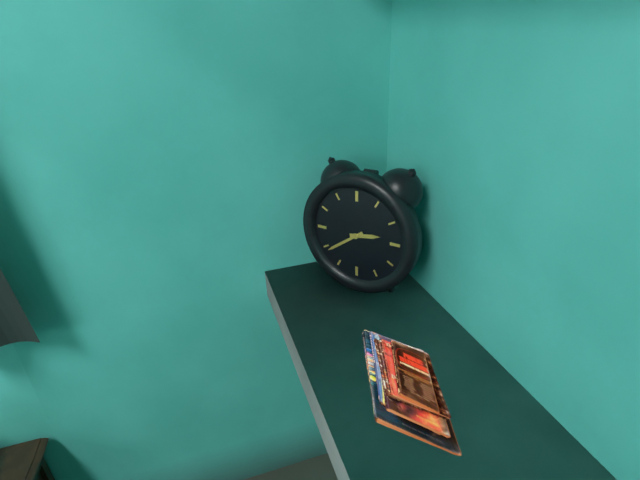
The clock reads 2:39
